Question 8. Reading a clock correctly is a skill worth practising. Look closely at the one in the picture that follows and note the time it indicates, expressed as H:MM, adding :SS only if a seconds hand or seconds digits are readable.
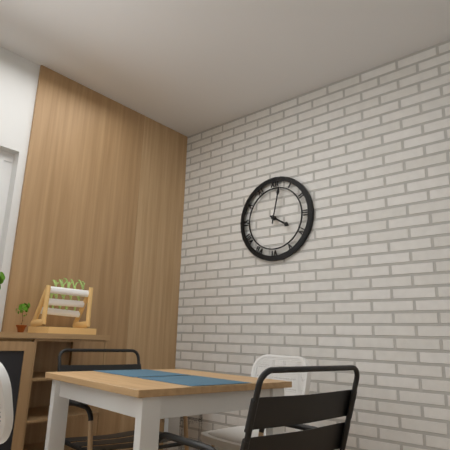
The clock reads 4:02
